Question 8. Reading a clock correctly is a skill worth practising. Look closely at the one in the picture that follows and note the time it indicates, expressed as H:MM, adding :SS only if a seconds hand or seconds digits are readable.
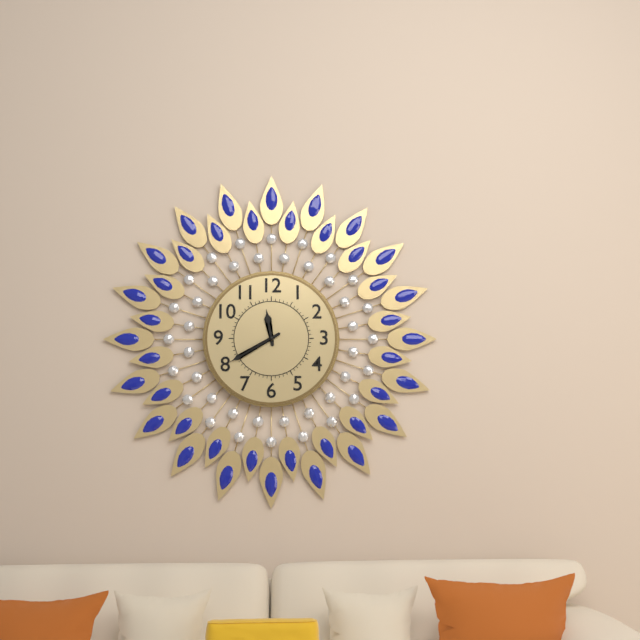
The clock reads 11:40
